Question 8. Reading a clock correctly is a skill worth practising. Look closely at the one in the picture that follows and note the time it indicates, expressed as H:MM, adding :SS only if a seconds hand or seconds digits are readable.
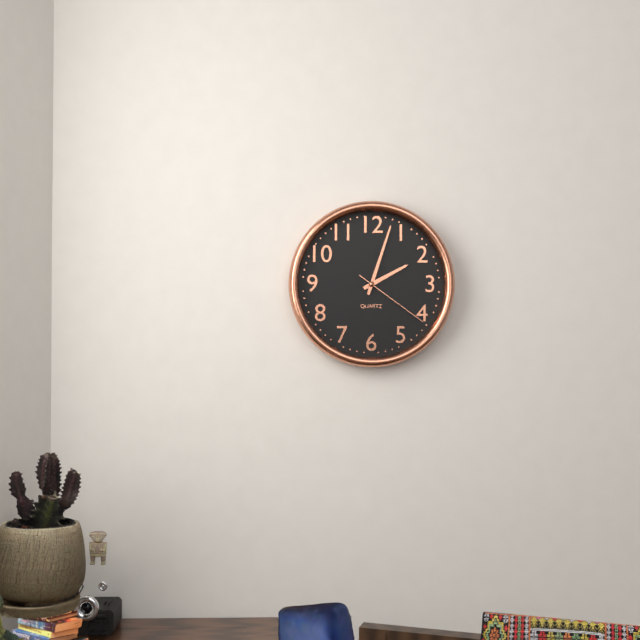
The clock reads 2:03:21
